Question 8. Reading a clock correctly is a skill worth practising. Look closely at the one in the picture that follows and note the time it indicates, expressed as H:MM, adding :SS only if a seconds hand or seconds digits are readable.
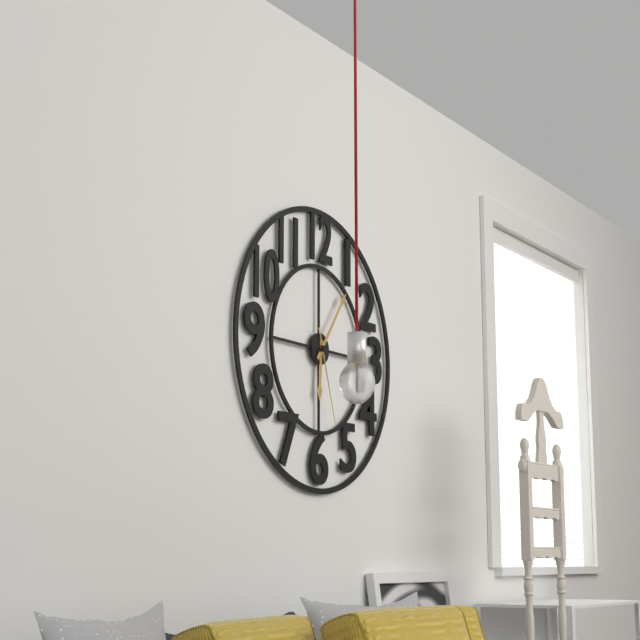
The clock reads 6:06:27
